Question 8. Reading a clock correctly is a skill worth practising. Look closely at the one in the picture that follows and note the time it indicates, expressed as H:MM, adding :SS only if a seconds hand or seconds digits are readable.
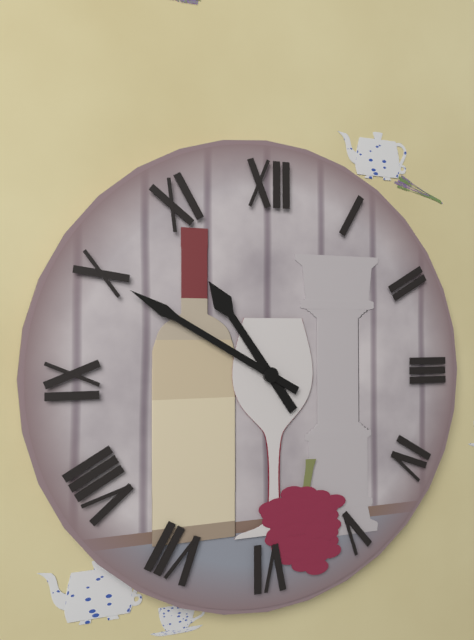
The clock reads 10:50
